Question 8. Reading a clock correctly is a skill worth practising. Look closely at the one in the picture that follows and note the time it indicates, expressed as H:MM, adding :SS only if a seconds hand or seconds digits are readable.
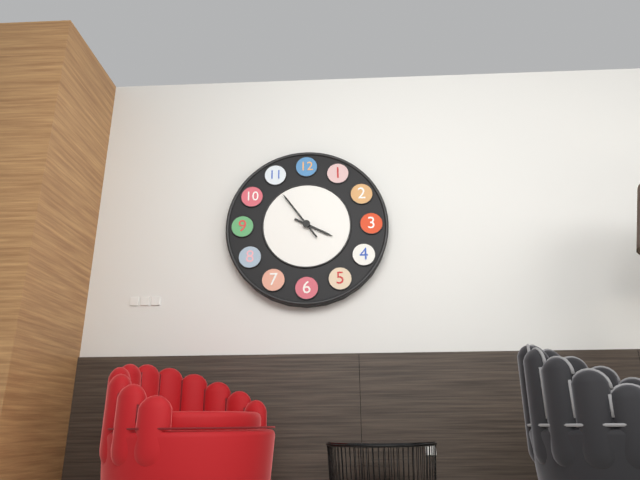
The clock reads 3:54
